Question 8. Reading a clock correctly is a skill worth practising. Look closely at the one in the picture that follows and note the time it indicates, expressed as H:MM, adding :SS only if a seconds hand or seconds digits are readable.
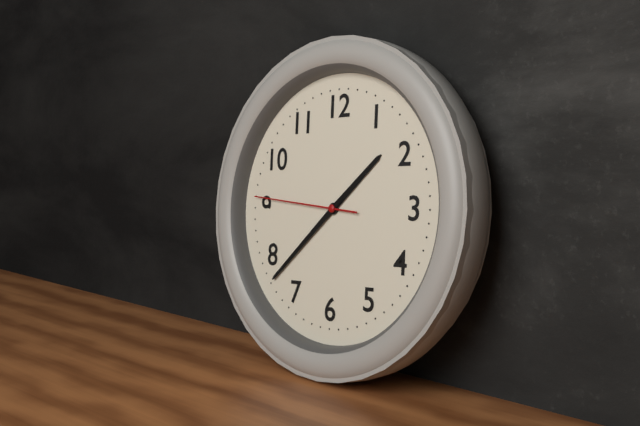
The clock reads 1:38:46
